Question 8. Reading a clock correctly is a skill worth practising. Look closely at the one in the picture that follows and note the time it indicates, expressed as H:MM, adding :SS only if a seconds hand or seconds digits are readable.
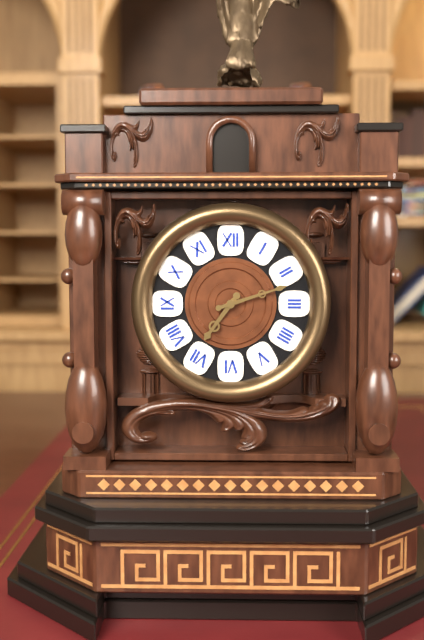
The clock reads 7:12
